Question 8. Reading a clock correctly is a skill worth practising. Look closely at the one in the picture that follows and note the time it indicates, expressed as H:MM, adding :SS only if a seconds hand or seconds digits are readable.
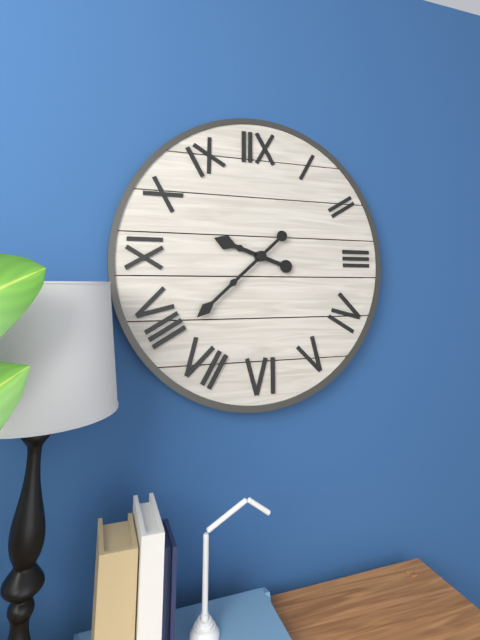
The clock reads 9:38
